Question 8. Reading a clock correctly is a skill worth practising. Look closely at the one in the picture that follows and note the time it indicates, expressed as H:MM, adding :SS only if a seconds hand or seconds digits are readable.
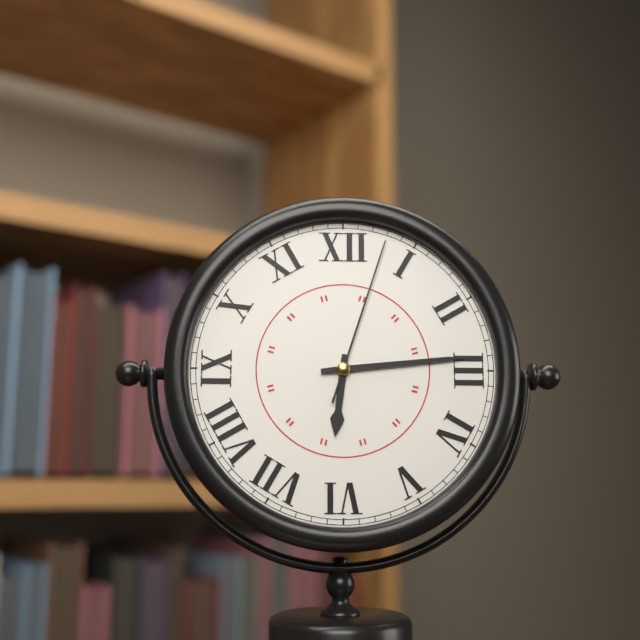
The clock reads 6:14:03
